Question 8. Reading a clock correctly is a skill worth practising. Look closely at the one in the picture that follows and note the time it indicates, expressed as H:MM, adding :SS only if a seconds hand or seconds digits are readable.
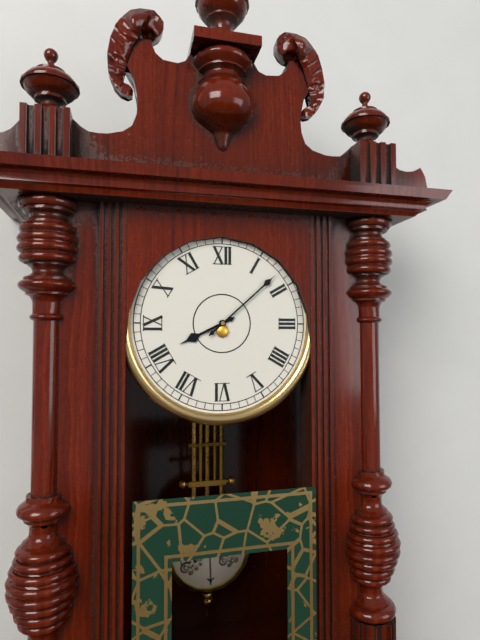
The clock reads 8:08
